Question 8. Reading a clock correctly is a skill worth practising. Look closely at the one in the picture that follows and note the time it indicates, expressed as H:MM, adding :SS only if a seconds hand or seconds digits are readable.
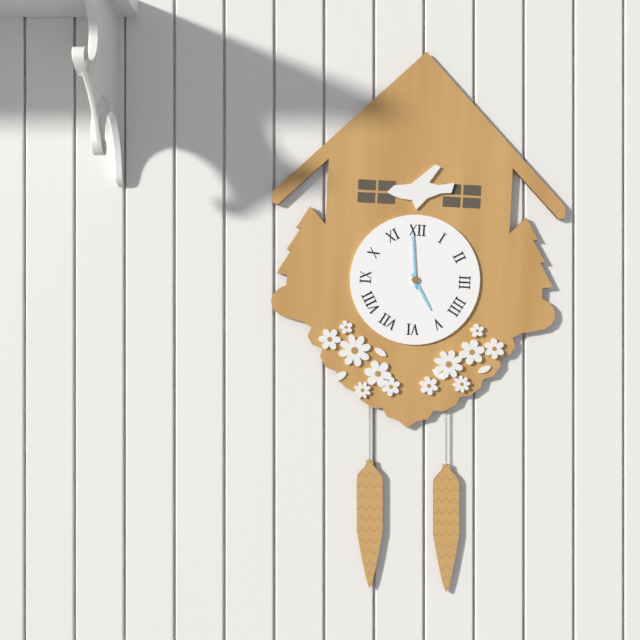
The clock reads 4:59
